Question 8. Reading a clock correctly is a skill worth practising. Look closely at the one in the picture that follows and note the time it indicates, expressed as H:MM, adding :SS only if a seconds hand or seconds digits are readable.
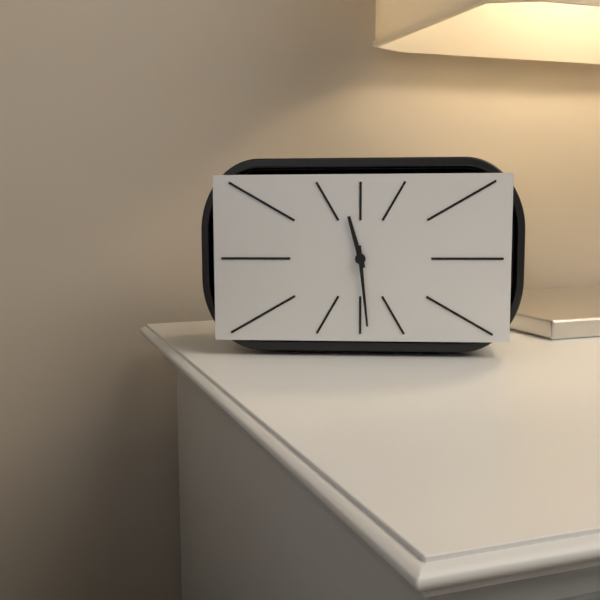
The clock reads 11:29
